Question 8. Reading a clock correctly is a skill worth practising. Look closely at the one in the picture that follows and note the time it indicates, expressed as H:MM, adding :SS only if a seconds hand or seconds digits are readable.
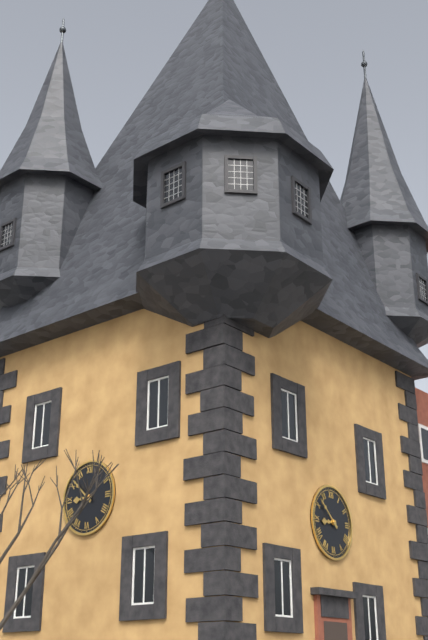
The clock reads 8:52
